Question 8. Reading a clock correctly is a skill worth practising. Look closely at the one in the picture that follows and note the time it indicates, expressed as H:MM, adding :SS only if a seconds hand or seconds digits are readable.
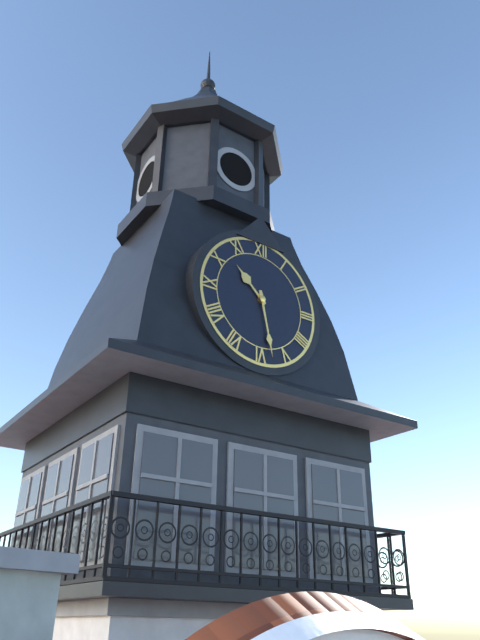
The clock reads 10:28
